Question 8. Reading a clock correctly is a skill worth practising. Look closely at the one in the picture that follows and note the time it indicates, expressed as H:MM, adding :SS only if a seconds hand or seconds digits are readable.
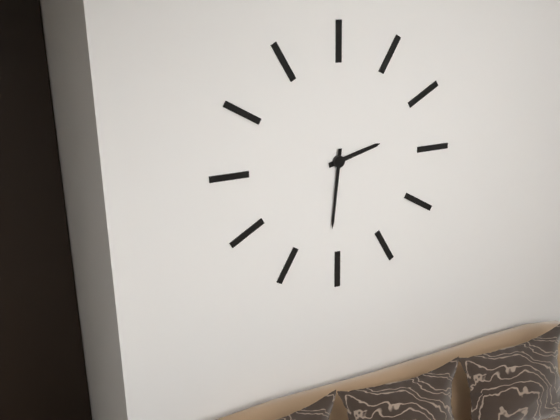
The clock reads 2:31
